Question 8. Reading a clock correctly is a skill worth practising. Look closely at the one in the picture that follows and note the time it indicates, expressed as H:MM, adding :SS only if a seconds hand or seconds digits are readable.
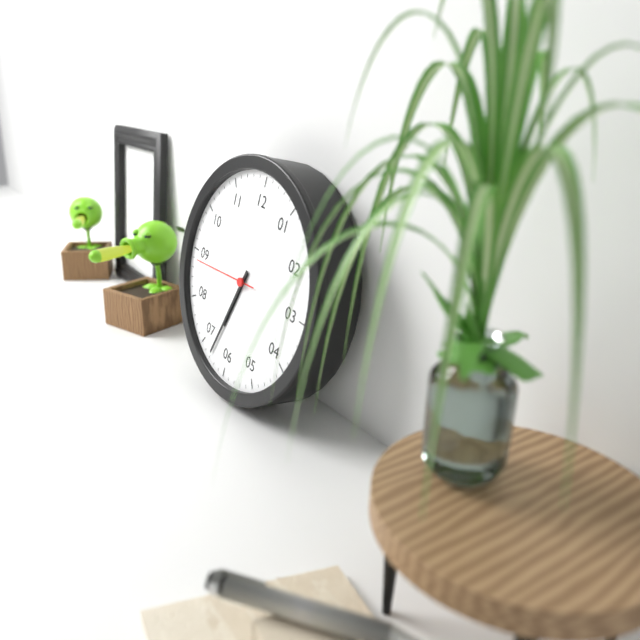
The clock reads 6:33:44
